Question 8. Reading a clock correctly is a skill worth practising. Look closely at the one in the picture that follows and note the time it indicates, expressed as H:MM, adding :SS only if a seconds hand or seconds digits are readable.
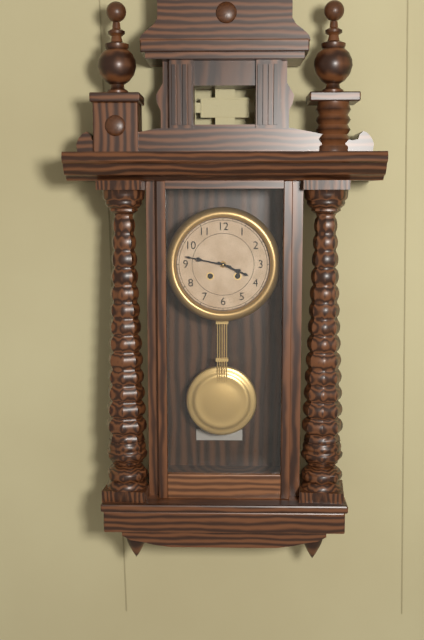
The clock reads 3:47
